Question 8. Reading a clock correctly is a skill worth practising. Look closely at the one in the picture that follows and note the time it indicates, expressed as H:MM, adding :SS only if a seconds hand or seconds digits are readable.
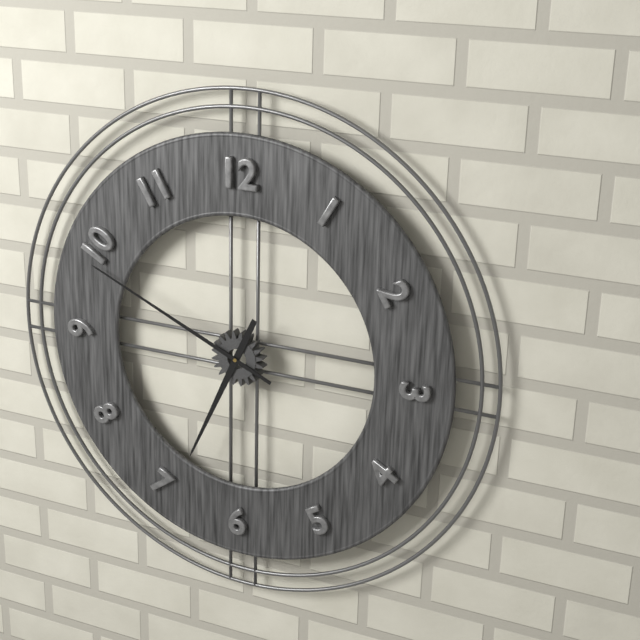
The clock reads 6:49
